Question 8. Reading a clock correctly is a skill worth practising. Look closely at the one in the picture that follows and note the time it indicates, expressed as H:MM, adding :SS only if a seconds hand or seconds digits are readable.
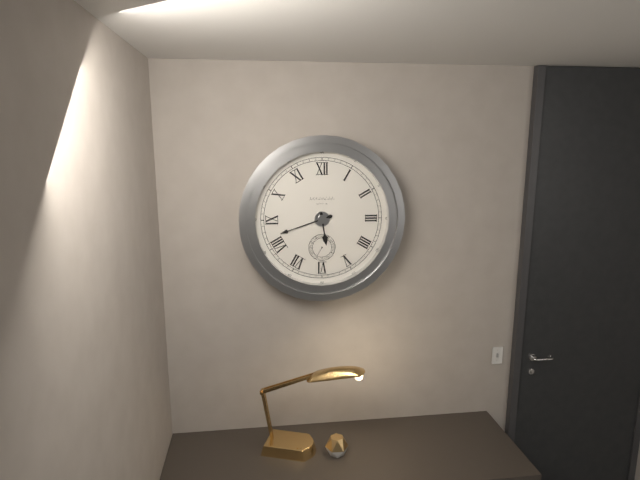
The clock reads 5:42
